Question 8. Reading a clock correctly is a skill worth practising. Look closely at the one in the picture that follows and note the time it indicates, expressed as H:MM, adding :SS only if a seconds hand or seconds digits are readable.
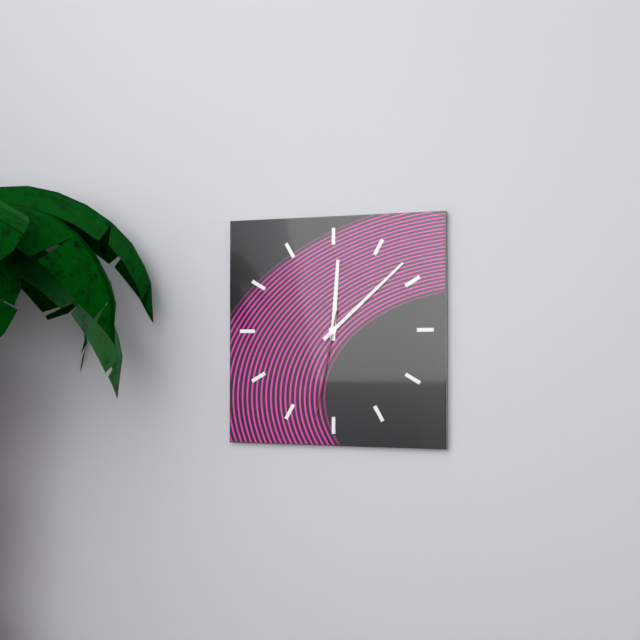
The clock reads 12:08:32
